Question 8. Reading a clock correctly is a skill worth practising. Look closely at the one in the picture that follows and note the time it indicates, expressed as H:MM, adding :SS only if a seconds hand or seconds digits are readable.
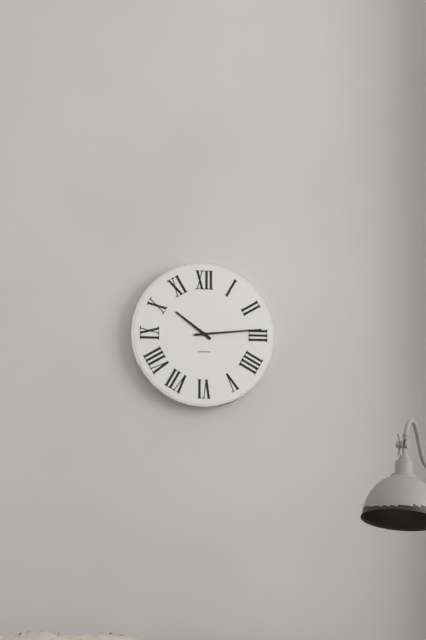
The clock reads 10:14
